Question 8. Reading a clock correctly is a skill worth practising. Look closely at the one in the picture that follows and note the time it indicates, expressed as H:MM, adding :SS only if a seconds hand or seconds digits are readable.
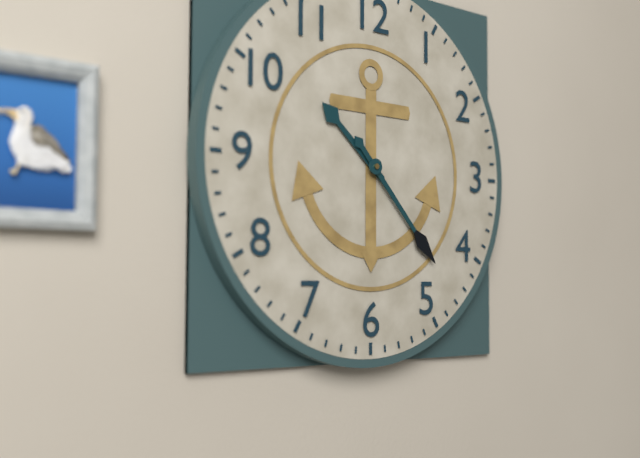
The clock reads 10:23
